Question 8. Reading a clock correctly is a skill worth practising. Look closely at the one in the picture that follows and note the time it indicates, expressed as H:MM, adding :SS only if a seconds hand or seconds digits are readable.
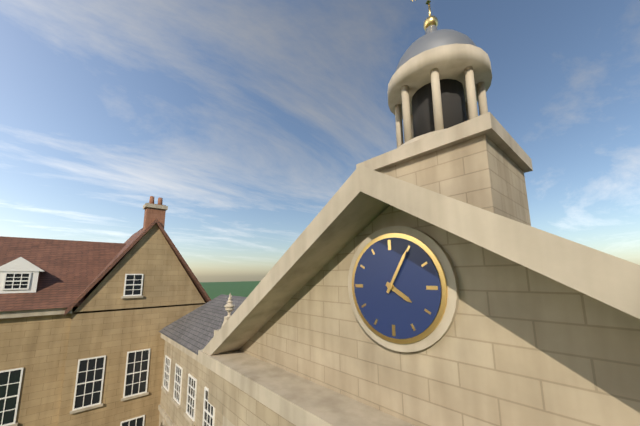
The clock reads 4:05
